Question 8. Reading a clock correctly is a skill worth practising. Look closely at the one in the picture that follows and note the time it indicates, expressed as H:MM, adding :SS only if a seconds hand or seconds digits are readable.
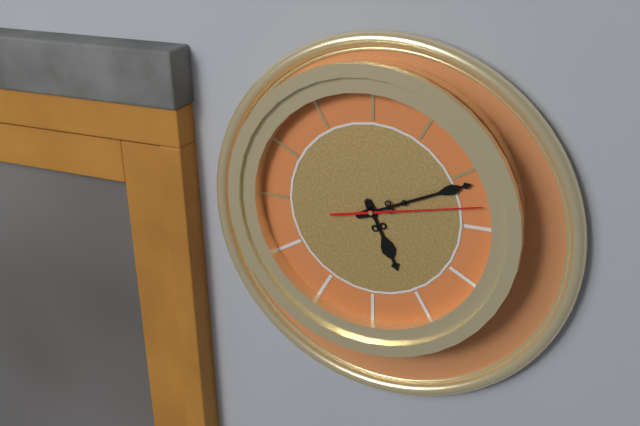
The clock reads 5:11:13
